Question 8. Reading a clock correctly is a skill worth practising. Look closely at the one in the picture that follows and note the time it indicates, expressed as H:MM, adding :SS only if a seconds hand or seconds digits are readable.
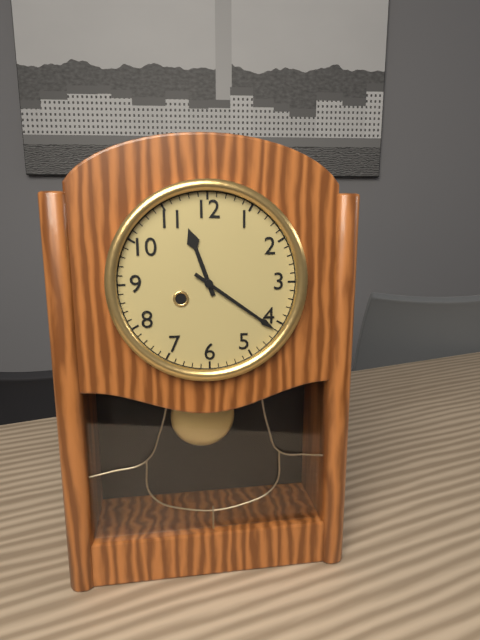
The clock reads 11:21
